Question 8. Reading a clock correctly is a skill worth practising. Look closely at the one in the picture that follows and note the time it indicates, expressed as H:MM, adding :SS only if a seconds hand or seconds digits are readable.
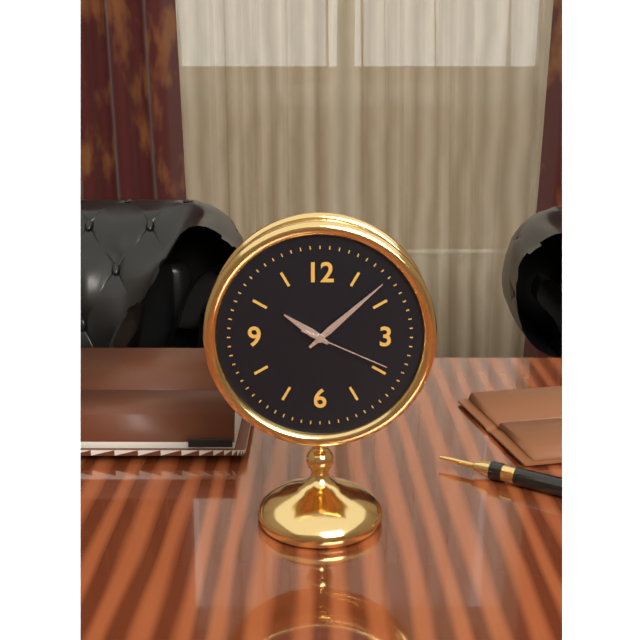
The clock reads 10:08:19
